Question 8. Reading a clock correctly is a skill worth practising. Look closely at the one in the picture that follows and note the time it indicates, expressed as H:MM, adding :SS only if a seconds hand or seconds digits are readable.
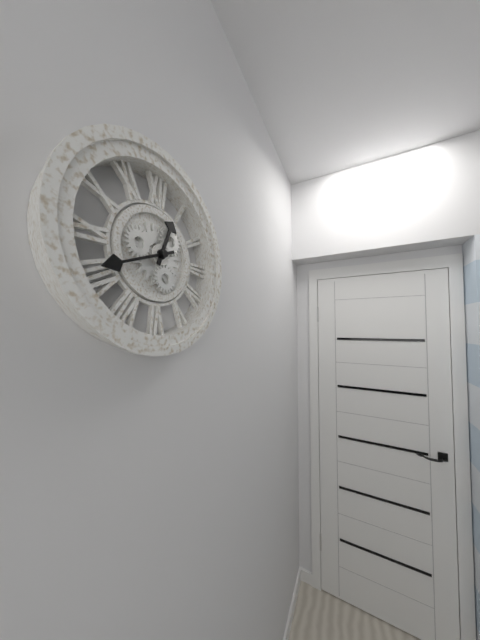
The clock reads 12:41
